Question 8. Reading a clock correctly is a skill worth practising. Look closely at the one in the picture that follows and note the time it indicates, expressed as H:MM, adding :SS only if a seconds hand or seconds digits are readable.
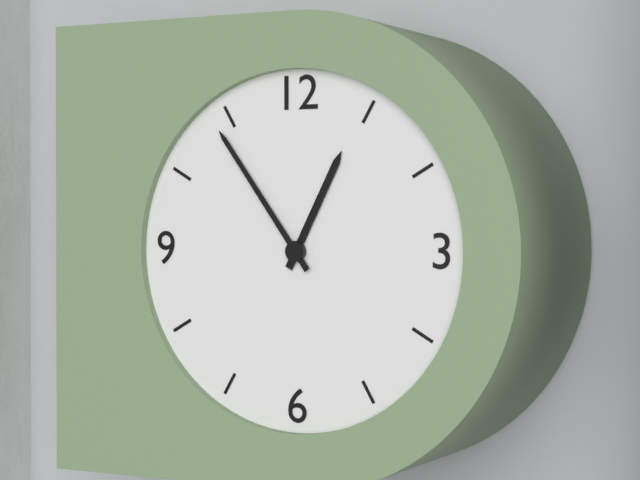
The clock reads 12:54
